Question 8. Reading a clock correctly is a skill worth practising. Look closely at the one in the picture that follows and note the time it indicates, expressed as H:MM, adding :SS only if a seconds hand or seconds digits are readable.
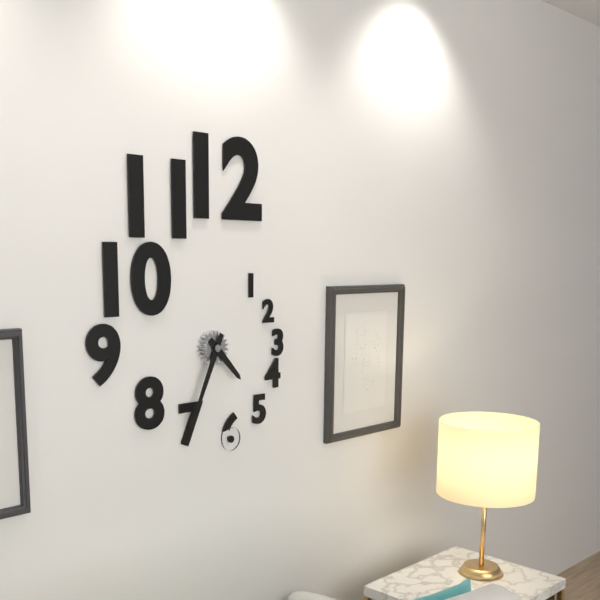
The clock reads 4:34
